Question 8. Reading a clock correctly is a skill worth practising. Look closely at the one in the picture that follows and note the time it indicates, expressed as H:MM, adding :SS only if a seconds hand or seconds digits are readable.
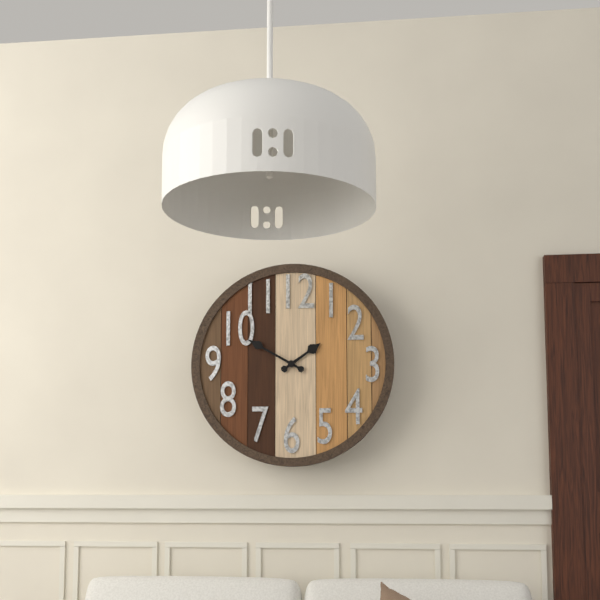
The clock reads 1:50
